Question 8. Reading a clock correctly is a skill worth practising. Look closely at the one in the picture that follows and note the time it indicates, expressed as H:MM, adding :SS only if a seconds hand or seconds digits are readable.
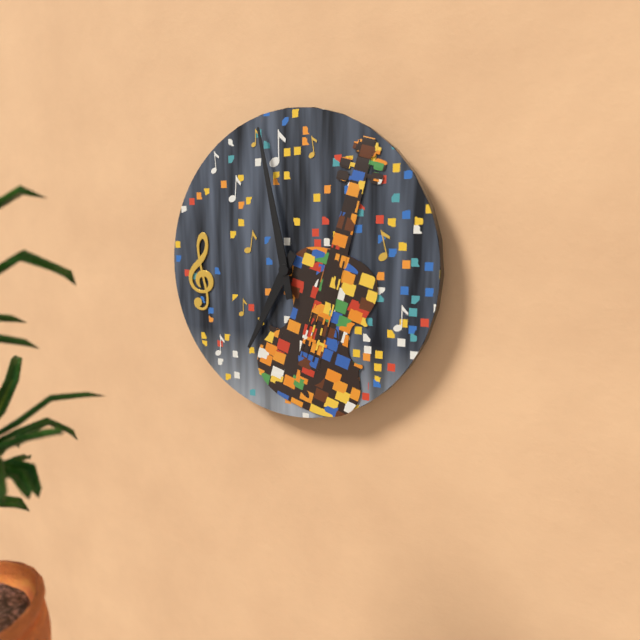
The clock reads 6:58
